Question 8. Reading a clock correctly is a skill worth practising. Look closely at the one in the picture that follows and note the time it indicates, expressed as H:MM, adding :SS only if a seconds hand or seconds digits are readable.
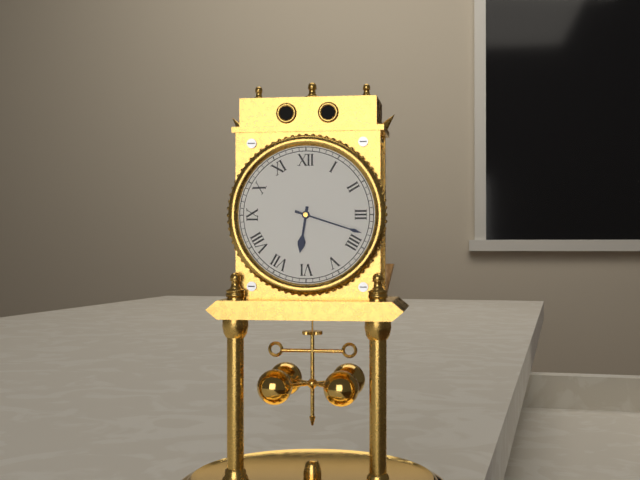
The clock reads 6:18
